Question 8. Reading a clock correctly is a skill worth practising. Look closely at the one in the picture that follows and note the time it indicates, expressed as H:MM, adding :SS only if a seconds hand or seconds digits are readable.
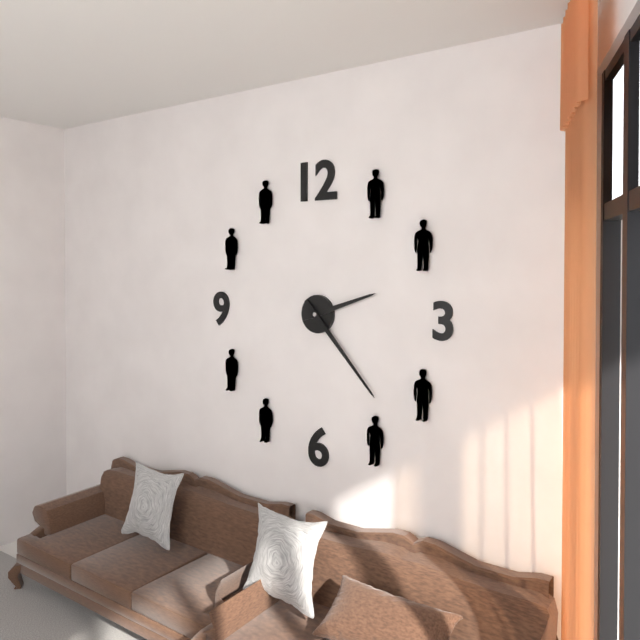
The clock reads 2:23
